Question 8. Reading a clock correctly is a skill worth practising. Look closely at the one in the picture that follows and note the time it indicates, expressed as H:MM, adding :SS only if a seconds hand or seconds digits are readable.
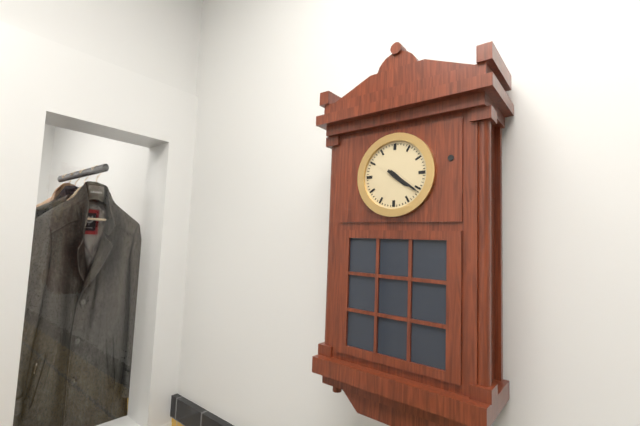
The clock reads 4:21
